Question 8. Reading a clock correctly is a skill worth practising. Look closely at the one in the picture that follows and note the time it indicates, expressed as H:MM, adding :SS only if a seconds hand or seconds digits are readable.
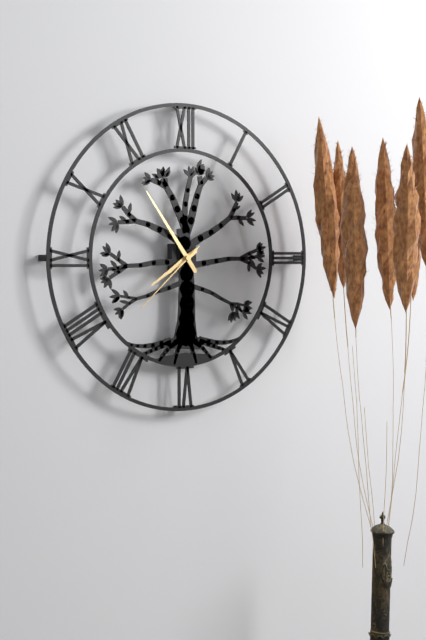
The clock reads 7:54:38
